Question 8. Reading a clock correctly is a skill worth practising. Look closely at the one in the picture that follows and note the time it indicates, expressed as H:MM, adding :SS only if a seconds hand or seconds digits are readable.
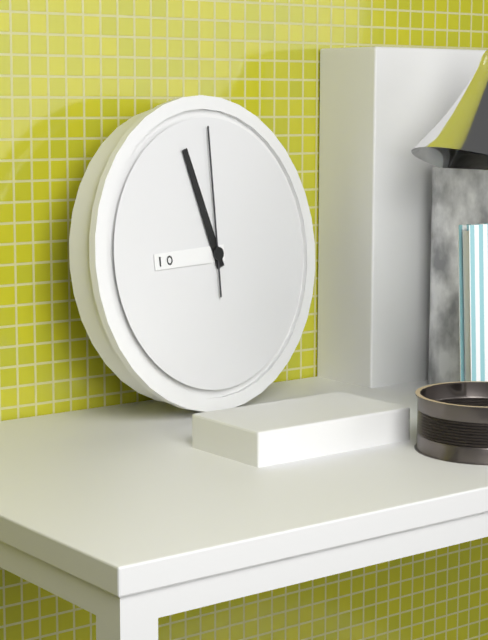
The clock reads 8:57:00
